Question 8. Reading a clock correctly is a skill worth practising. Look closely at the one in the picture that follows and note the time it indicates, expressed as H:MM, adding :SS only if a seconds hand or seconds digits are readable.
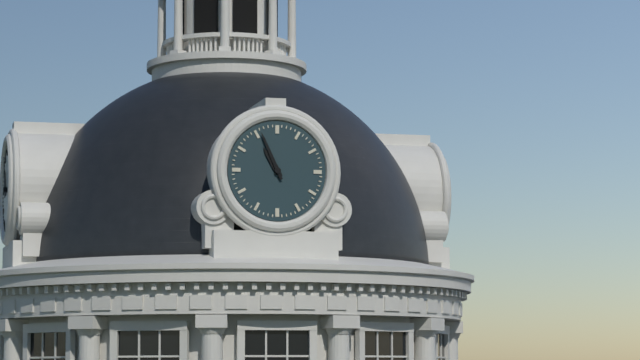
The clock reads 10:56
